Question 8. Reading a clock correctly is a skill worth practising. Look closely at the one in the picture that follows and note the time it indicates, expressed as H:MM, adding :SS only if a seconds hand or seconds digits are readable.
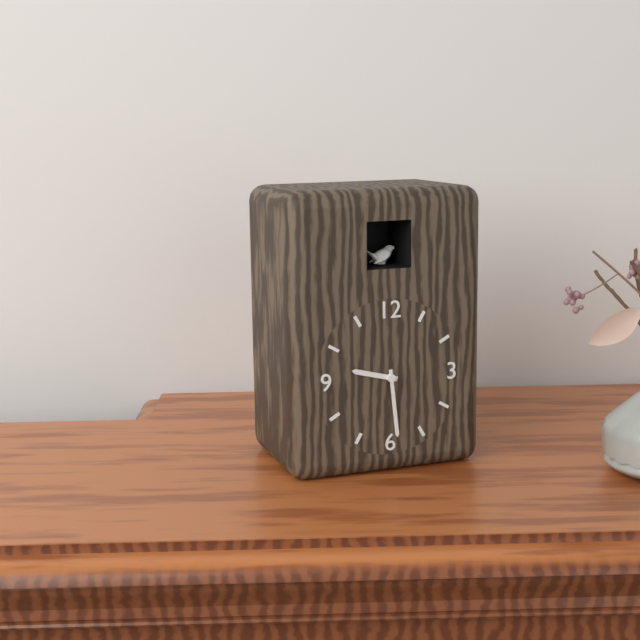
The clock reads 9:29
